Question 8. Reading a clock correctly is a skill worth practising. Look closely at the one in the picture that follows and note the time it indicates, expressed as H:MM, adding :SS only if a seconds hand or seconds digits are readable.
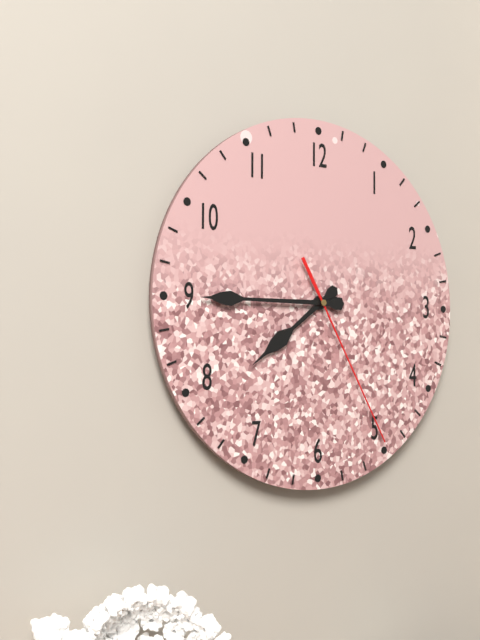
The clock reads 7:45:25
